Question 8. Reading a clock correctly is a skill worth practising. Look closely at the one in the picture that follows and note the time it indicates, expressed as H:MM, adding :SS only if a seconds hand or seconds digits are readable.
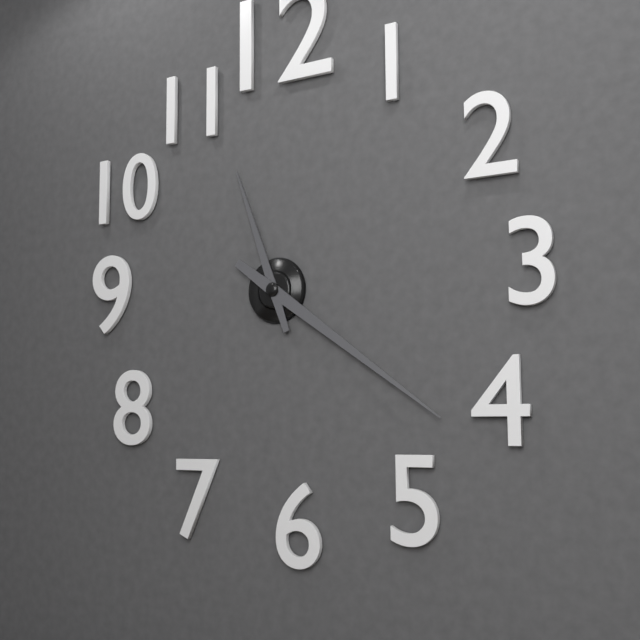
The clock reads 11:21
